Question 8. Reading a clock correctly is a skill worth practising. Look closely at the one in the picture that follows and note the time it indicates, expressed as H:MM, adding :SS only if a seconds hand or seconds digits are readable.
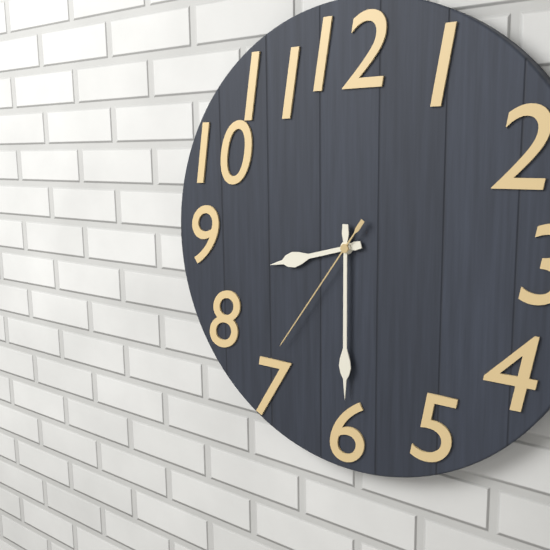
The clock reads 8:30:36
